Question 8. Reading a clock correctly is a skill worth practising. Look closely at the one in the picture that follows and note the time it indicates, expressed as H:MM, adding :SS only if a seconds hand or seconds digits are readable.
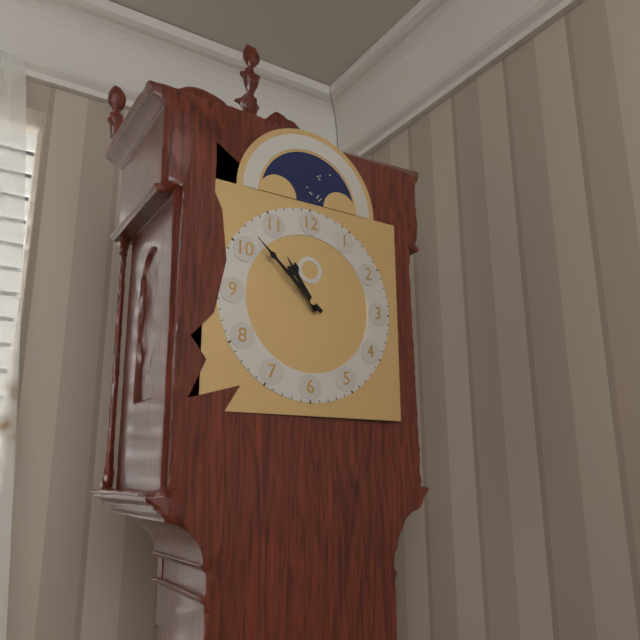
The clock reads 10:52
